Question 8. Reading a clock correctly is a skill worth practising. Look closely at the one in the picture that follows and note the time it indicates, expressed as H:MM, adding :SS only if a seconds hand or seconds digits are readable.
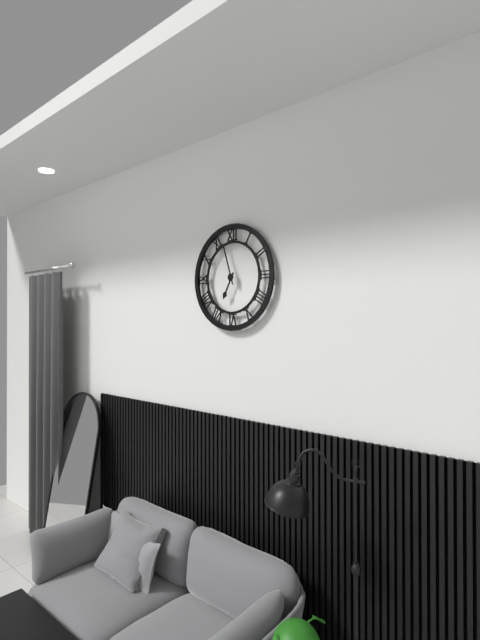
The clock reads 6:57
